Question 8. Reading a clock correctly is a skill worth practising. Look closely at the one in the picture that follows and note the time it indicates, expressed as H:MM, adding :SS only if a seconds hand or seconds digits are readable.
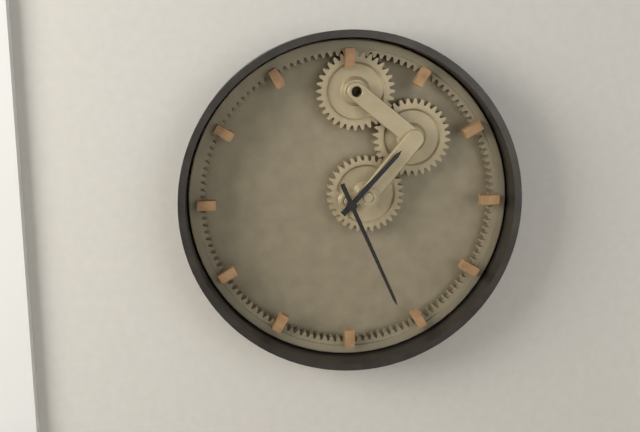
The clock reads 1:26
